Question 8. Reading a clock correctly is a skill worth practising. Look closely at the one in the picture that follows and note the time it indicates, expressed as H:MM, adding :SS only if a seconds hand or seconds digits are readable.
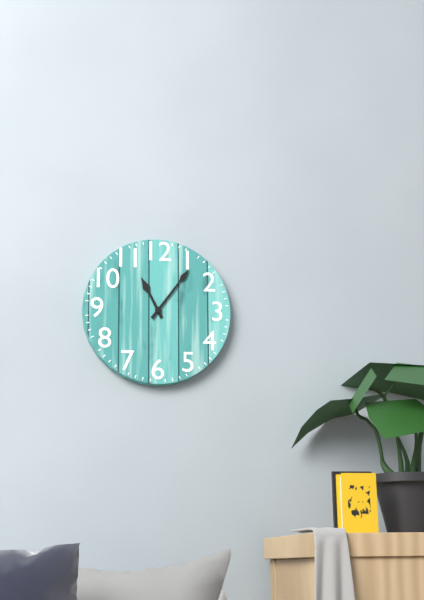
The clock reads 11:06
